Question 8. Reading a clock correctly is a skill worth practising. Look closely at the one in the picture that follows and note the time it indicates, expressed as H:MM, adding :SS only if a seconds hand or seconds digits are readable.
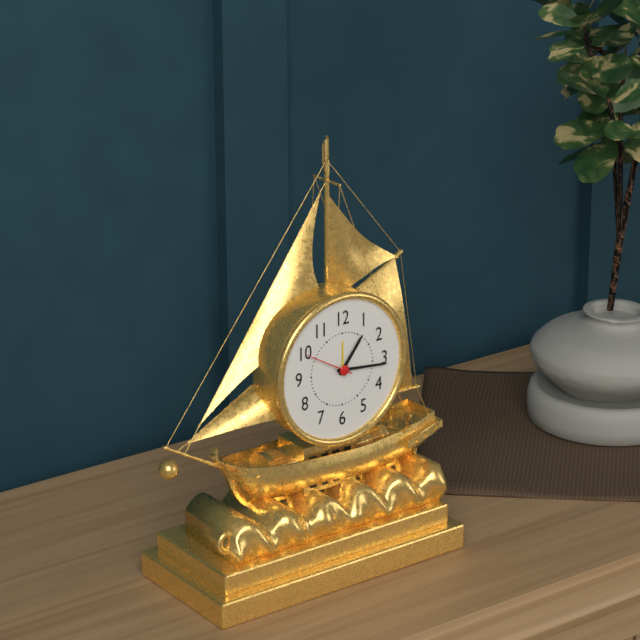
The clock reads 1:16:50
